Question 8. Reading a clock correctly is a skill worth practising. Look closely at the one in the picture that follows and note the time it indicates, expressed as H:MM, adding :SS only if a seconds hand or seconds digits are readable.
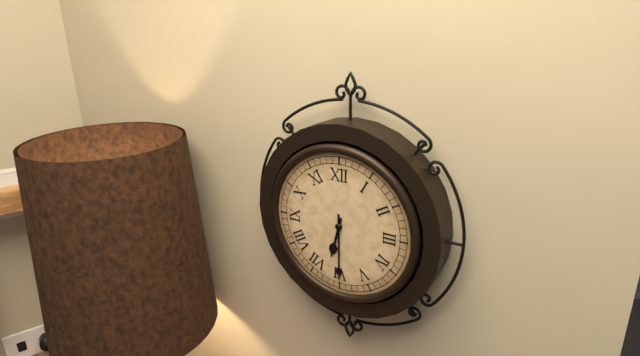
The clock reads 6:30
